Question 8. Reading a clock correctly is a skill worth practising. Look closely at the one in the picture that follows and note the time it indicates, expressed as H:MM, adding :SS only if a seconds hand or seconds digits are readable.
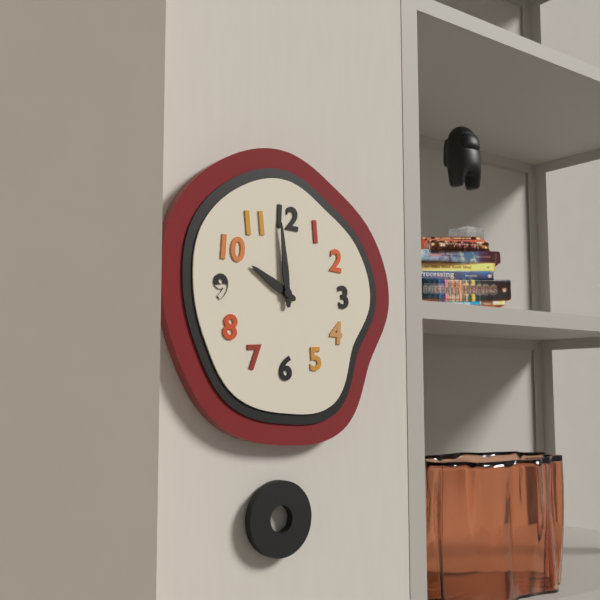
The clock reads 9:59
